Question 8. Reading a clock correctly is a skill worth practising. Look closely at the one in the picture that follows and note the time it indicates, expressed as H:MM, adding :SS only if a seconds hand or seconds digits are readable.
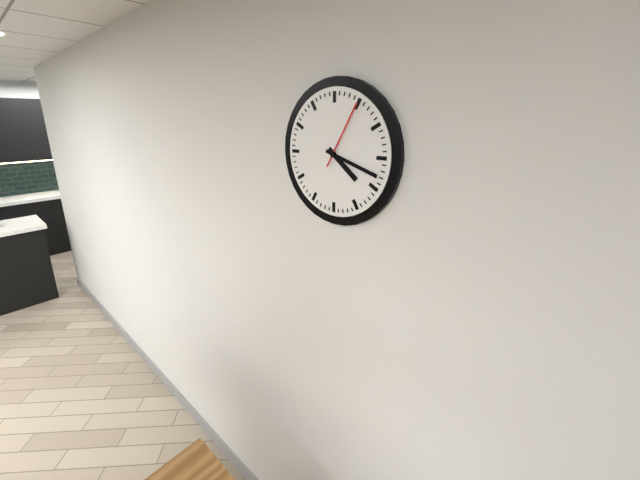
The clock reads 4:18:05
